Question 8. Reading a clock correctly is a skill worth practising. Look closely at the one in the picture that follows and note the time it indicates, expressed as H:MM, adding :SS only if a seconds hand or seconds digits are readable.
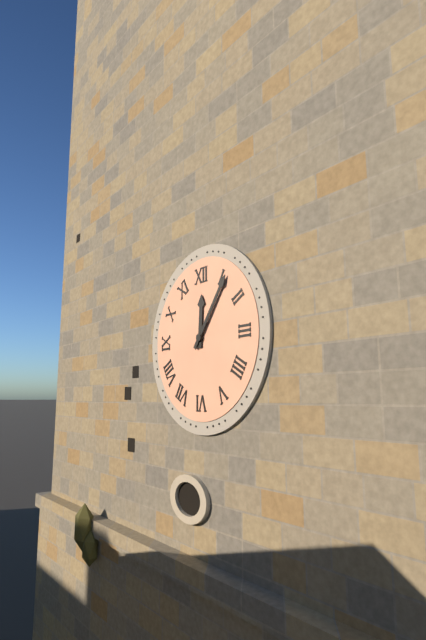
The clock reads 12:06
